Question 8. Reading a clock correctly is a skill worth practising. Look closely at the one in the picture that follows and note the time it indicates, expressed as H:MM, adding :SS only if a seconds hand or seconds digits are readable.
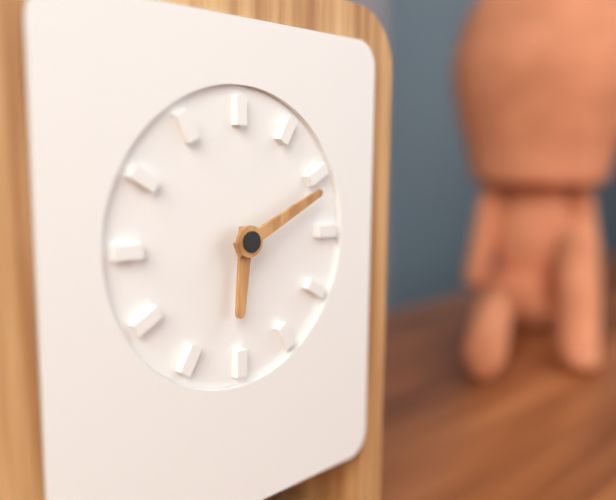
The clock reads 6:11
